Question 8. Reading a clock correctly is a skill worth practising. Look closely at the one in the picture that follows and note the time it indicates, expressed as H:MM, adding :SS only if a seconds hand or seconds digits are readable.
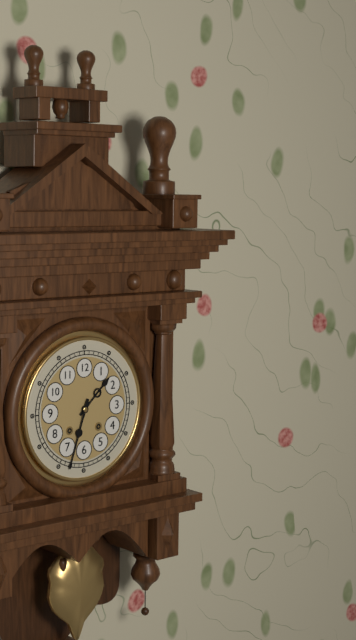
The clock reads 1:33
